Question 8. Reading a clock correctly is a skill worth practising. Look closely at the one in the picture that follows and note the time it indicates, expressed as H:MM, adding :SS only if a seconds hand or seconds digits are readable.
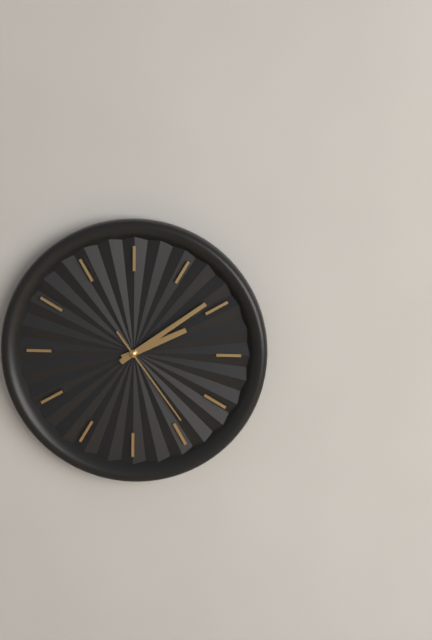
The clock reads 2:09:24
